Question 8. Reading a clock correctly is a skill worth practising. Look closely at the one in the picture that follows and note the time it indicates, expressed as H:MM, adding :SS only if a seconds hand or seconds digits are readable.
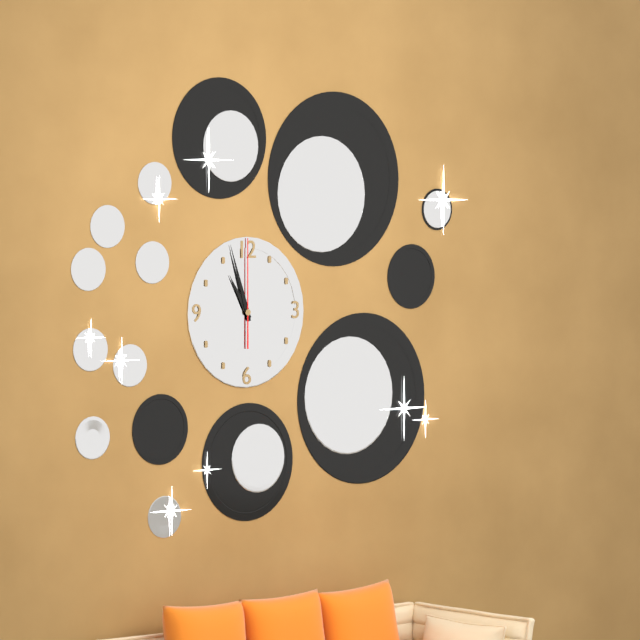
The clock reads 10:57:00
